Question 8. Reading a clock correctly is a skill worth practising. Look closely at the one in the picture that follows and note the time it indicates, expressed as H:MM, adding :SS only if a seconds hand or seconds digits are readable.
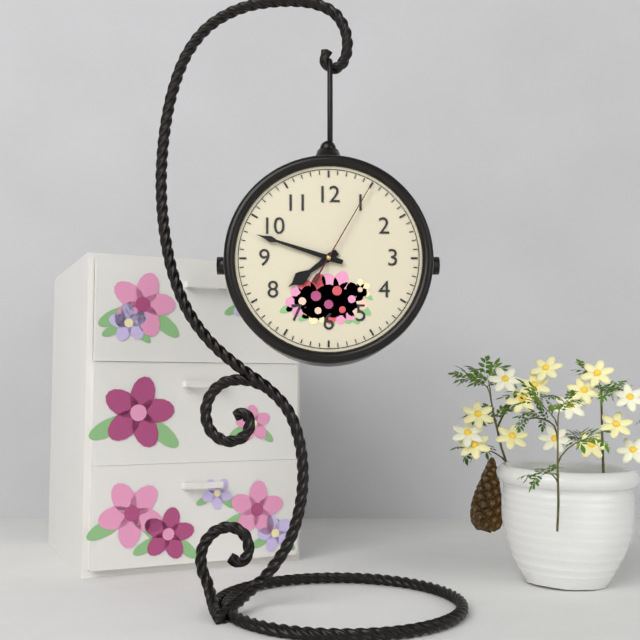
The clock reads 7:48:05
